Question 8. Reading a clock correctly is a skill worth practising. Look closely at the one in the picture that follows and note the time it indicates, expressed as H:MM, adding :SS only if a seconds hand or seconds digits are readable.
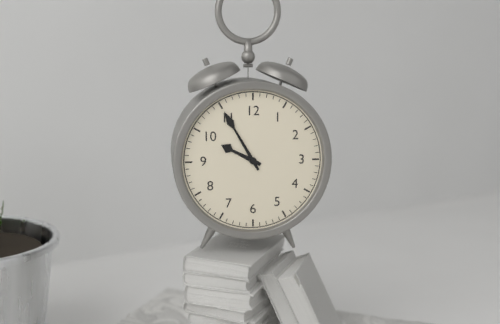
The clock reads 9:55
